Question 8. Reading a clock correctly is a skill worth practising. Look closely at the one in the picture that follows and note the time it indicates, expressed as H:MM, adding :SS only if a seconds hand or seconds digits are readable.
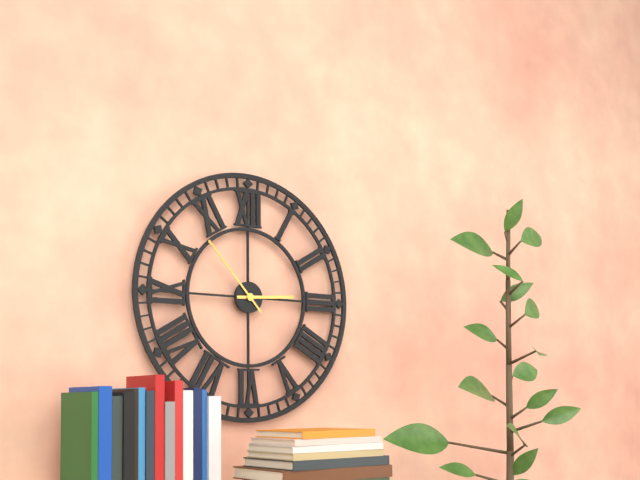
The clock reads 2:53
